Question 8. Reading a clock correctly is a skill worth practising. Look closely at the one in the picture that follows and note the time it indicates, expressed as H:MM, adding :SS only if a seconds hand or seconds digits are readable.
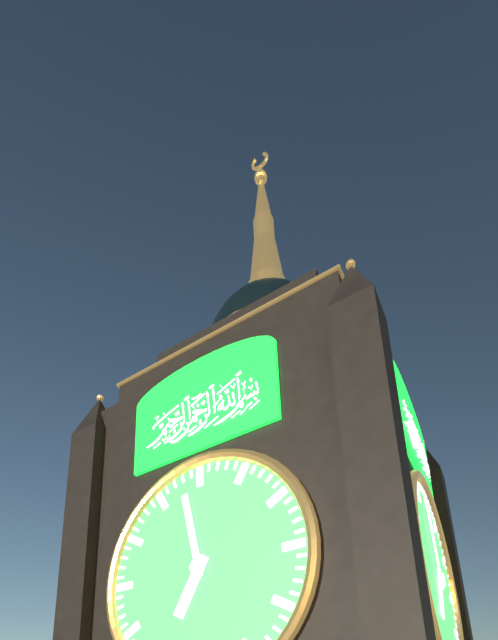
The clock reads 6:58
